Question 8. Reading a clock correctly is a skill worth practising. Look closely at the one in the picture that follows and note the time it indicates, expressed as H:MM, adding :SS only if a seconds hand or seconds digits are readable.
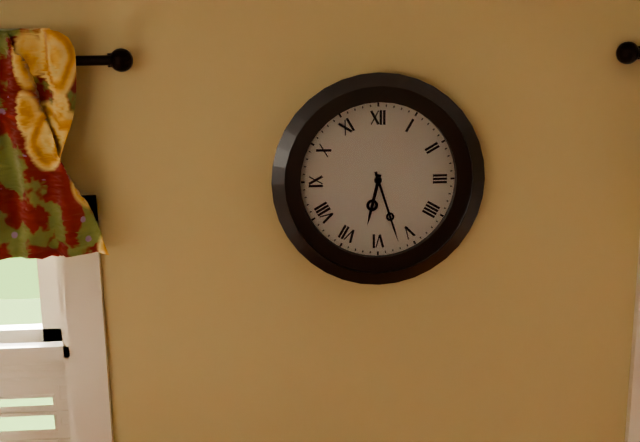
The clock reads 6:27
